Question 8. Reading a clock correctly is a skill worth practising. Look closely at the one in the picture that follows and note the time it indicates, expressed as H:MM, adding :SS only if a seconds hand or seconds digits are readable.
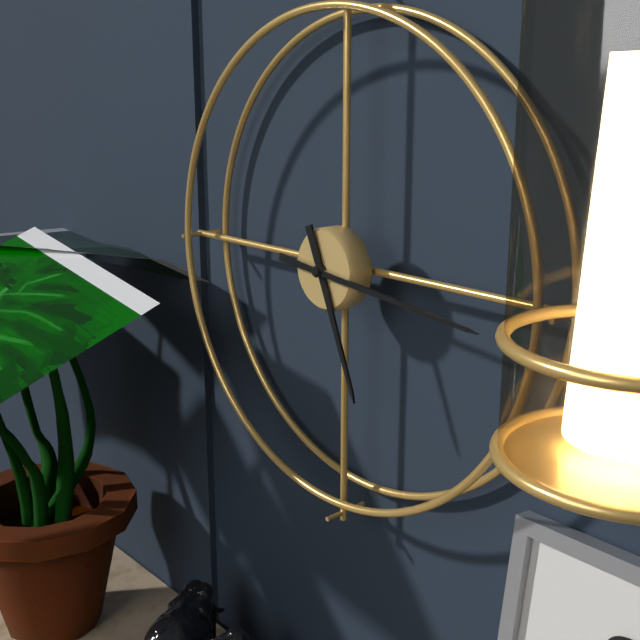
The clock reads 5:16
